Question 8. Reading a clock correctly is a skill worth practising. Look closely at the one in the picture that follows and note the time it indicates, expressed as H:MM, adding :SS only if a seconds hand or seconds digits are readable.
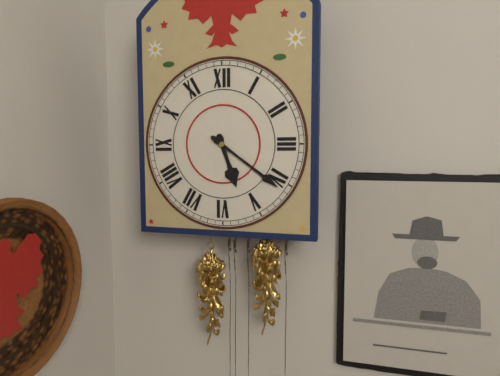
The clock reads 5:21
